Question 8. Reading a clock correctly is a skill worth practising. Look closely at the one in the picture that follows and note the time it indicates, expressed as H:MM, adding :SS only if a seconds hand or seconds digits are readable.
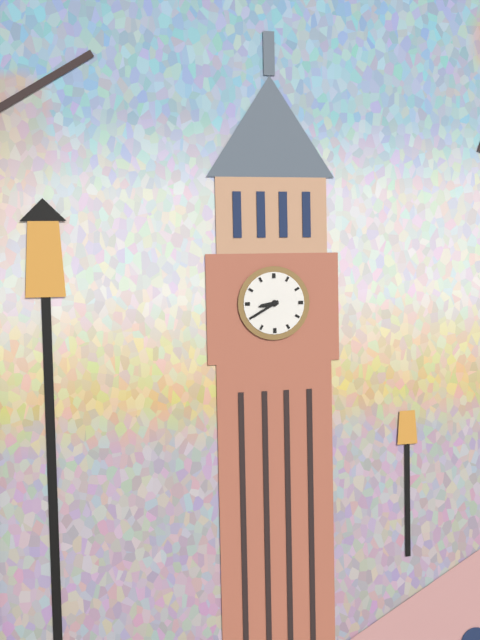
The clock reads 8:40
